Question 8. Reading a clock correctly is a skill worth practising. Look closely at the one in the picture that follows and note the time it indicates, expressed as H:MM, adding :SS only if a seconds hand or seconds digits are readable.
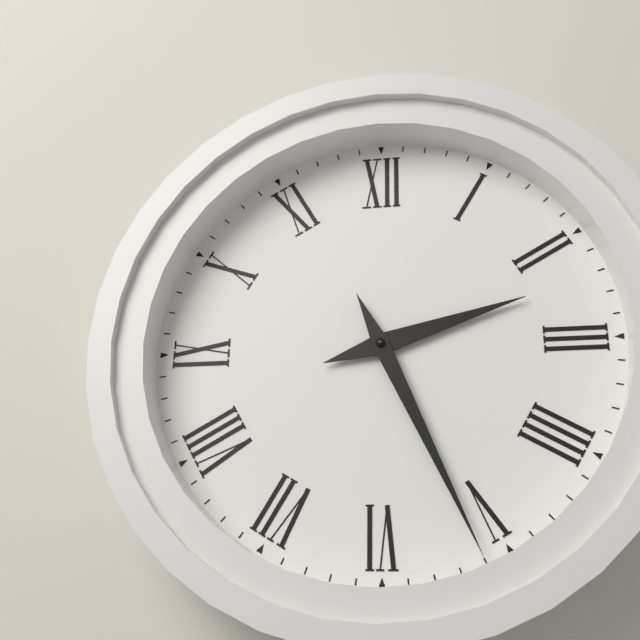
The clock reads 2:26
